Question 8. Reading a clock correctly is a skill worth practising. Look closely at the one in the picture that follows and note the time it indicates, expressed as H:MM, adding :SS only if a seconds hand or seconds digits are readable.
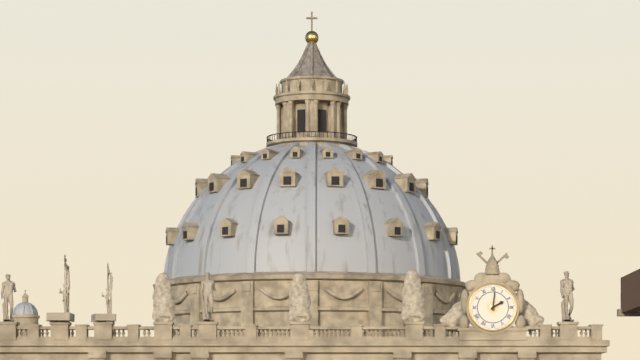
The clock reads 2:01
